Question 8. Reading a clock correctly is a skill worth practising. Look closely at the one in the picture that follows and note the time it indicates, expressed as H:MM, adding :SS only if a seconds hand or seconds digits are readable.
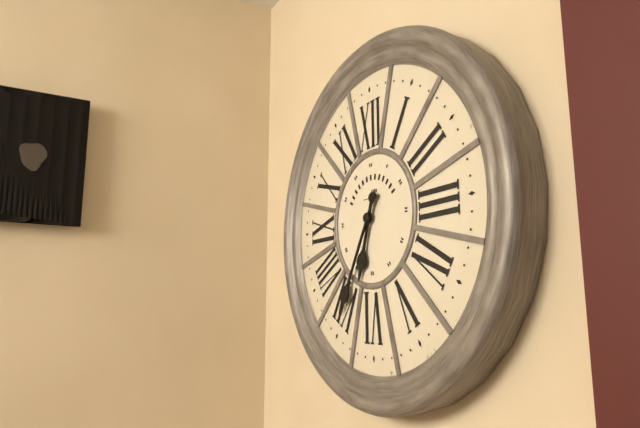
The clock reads 6:35
